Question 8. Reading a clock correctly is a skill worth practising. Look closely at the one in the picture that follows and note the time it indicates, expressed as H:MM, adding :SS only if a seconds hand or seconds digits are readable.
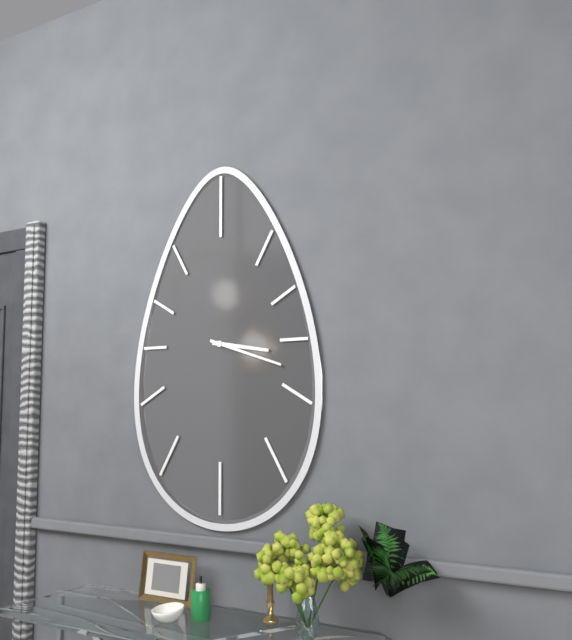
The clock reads 3:18
